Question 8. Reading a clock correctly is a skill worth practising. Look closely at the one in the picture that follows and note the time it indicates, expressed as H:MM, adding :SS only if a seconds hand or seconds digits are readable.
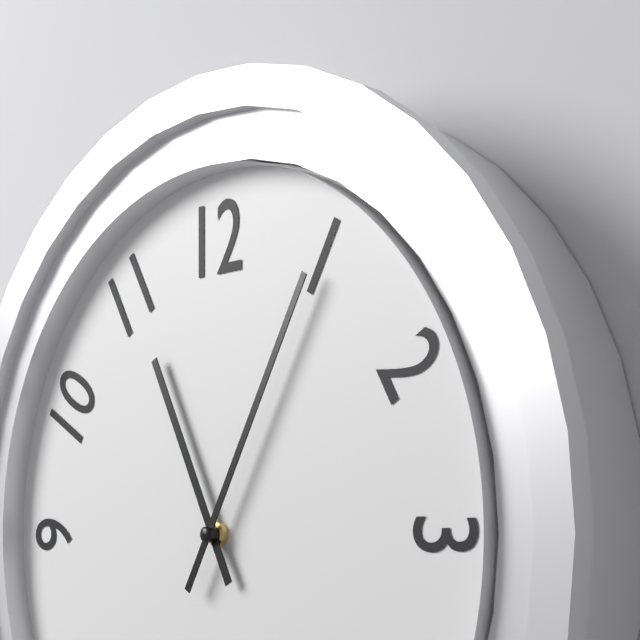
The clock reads 11:05
